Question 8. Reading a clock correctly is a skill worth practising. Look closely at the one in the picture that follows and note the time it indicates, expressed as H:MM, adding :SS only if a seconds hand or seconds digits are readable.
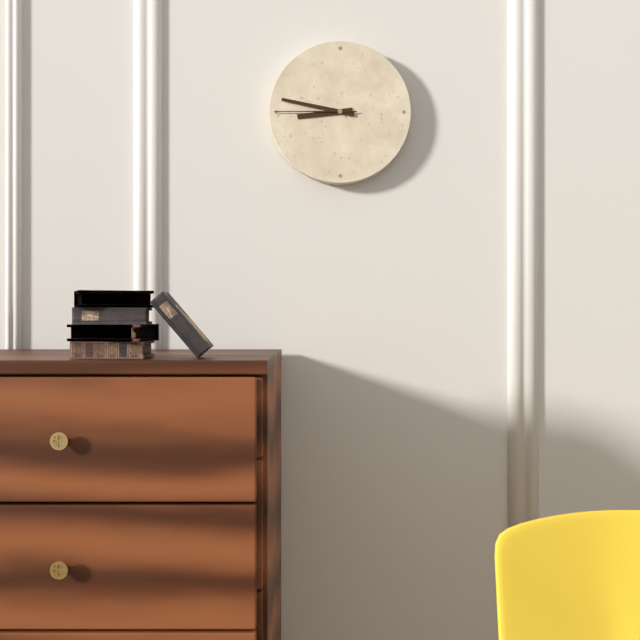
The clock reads 8:47:45
